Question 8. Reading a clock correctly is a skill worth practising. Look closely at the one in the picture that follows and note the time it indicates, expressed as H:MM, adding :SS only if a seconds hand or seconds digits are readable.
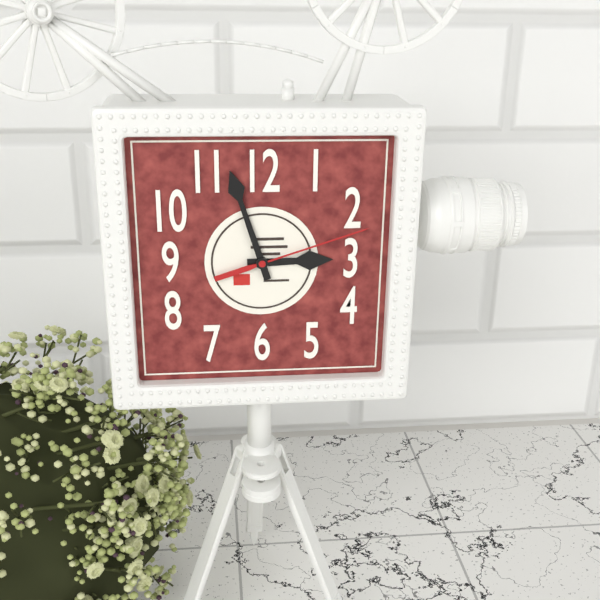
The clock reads 2:57:12
